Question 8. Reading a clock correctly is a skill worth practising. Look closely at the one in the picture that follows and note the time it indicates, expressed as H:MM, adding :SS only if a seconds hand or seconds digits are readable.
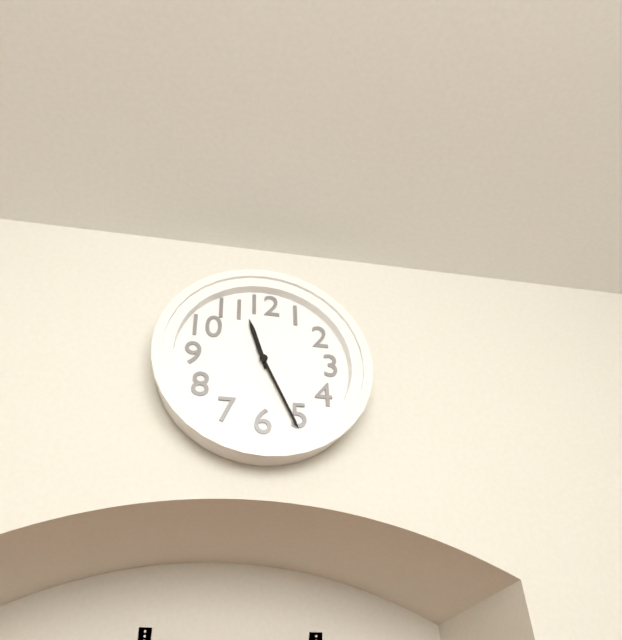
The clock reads 11:26
